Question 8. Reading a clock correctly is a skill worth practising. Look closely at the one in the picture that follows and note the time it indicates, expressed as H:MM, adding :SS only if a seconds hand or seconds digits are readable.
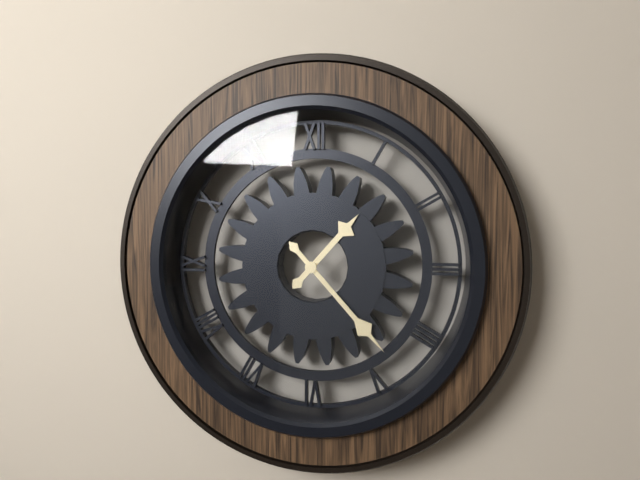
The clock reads 1:23
